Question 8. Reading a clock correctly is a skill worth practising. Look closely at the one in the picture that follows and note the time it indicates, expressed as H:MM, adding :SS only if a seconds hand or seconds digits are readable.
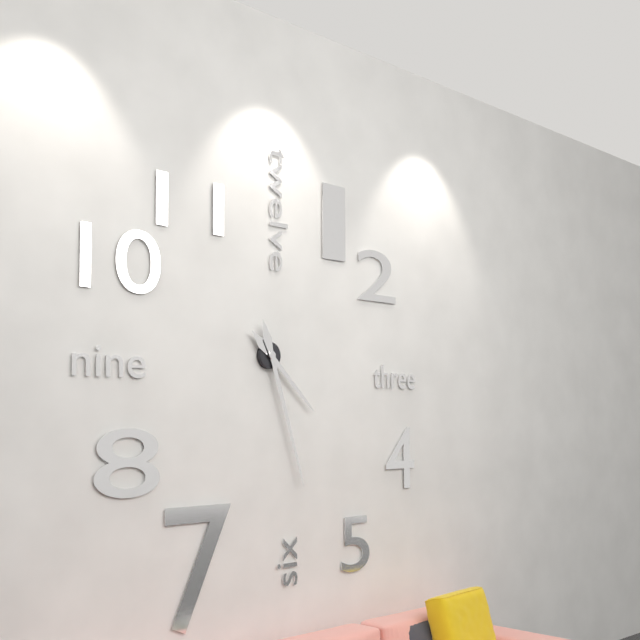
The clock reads 4:27
